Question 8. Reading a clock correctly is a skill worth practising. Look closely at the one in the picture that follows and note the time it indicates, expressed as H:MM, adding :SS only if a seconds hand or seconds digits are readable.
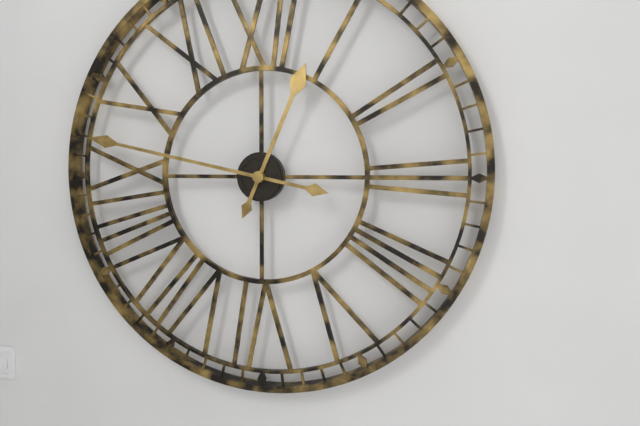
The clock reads 12:47
